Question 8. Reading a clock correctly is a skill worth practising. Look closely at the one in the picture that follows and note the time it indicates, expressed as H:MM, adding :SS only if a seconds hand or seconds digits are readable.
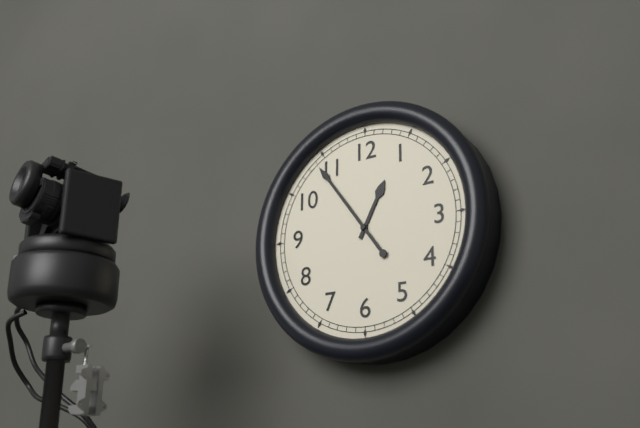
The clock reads 12:54
